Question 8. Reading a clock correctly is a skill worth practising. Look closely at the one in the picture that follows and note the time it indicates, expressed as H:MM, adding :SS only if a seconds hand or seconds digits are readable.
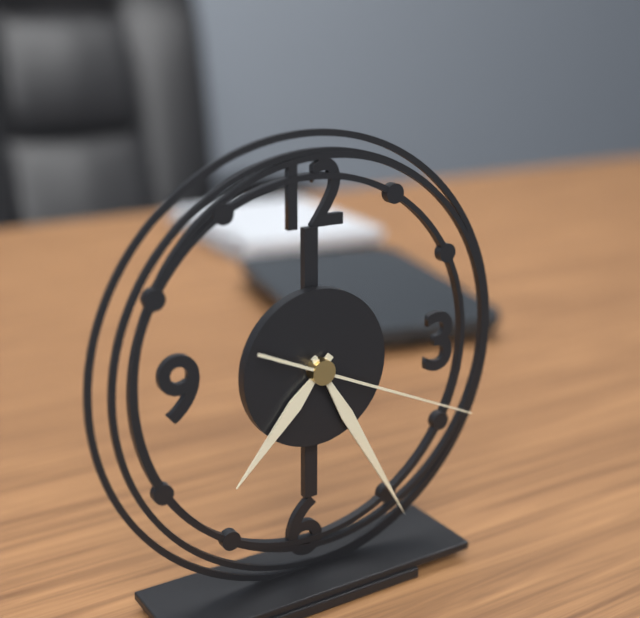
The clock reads 7:25:19
